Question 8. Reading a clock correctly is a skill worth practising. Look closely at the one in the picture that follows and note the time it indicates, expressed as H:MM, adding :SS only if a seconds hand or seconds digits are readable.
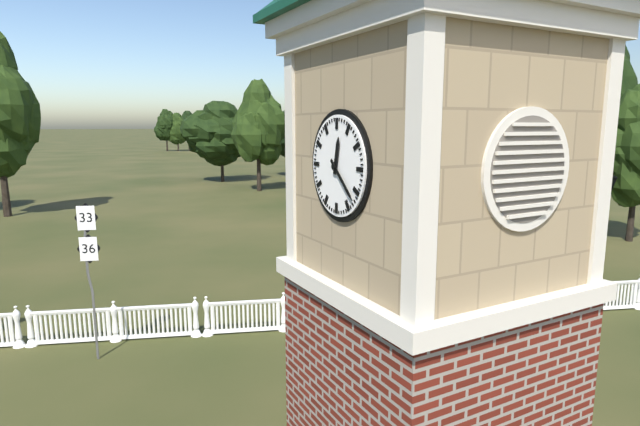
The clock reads 12:22
